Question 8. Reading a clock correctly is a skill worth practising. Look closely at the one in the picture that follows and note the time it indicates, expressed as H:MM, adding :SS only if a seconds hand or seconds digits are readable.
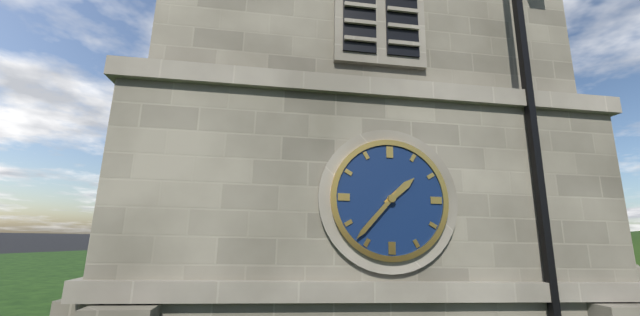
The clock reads 1:37
